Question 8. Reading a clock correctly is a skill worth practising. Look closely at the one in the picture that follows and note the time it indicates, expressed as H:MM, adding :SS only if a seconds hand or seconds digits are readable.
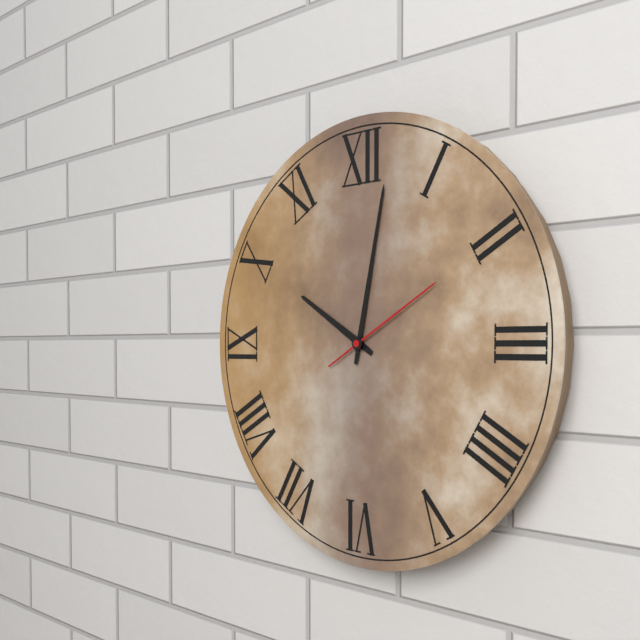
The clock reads 10:02:10
